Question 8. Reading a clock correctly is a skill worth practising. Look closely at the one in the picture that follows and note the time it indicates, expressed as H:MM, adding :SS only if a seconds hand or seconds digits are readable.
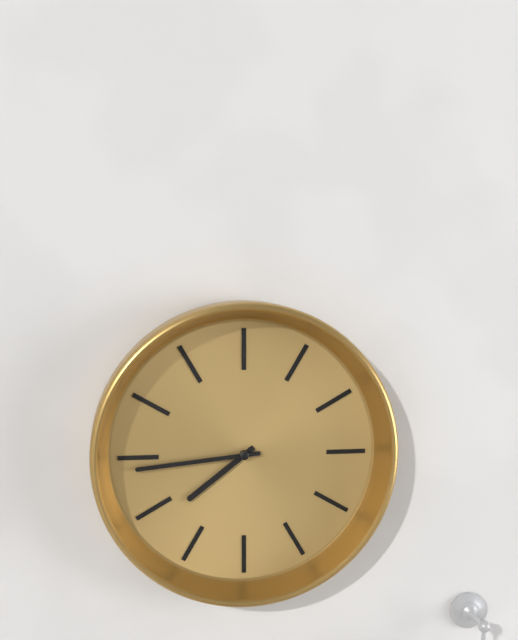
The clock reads 7:44
